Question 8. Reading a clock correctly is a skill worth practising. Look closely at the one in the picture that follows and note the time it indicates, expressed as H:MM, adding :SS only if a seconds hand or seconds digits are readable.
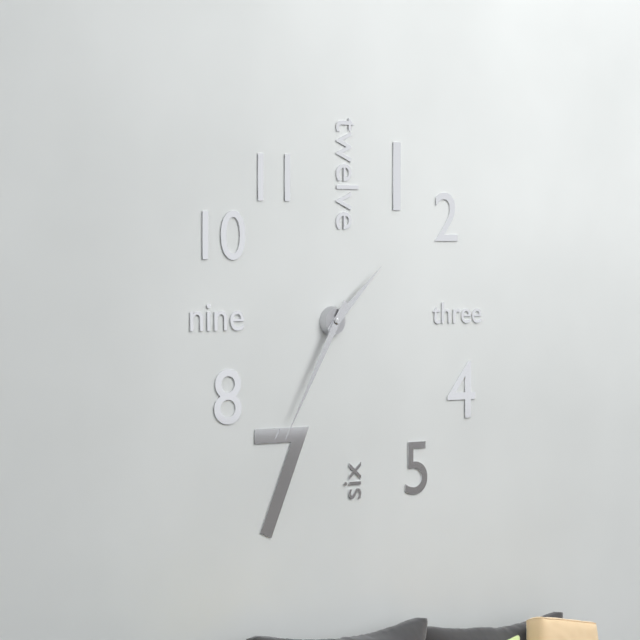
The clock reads 1:35
